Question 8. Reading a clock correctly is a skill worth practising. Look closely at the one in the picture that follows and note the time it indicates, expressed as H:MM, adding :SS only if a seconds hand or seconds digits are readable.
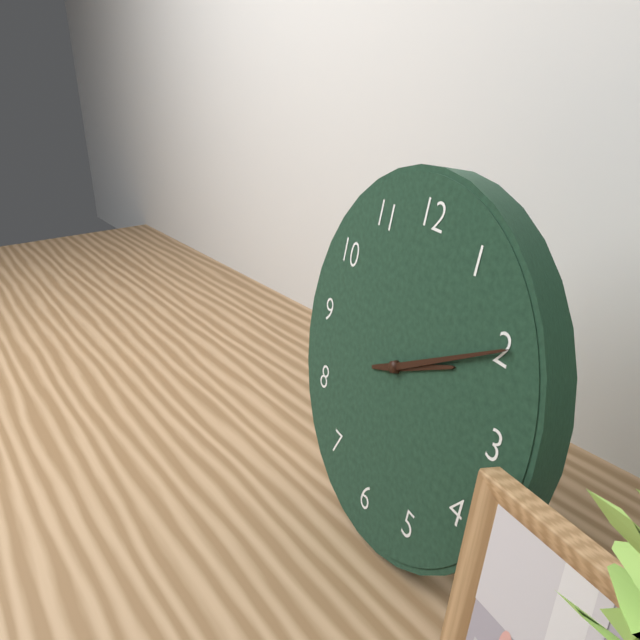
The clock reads 2:10
